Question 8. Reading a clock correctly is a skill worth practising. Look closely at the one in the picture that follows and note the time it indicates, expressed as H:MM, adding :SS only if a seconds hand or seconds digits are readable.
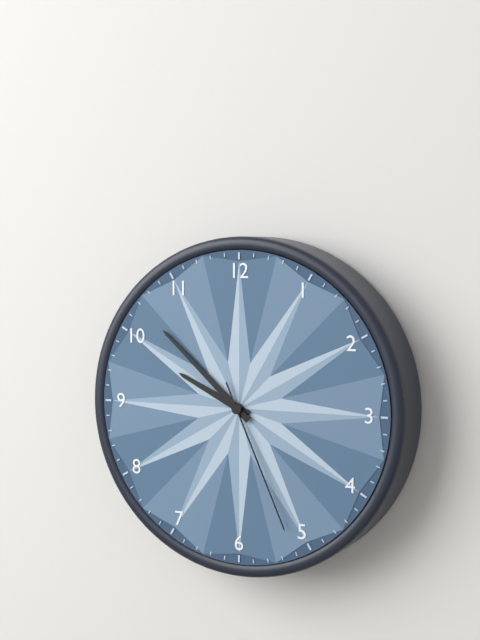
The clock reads 9:52:26
